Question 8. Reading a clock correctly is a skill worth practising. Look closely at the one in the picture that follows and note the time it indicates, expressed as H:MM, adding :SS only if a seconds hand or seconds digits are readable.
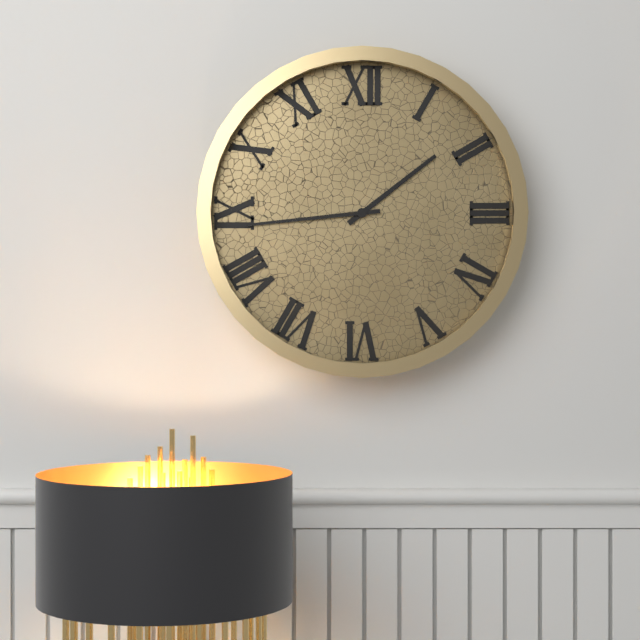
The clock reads 1:44
